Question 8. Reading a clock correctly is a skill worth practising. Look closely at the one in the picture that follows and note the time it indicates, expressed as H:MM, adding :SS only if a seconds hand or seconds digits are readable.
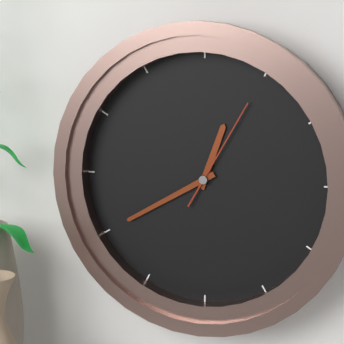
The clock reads 12:40:05
